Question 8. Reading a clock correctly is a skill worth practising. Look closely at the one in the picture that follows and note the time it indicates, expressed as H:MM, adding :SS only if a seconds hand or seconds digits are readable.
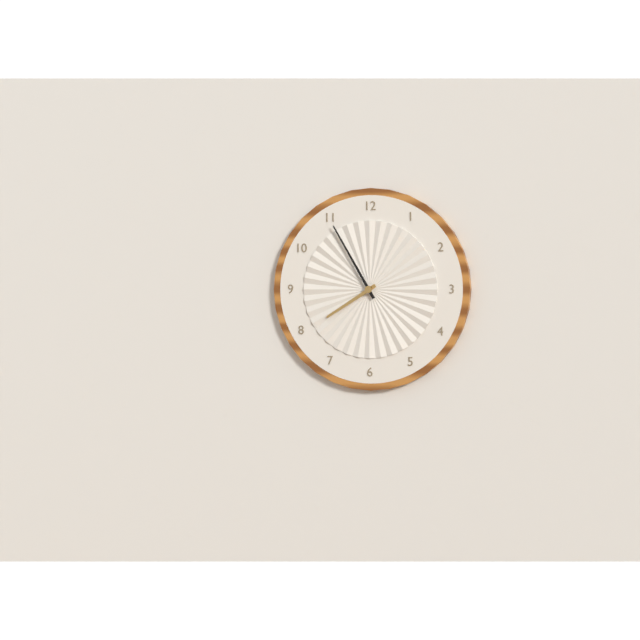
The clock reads 7:55
